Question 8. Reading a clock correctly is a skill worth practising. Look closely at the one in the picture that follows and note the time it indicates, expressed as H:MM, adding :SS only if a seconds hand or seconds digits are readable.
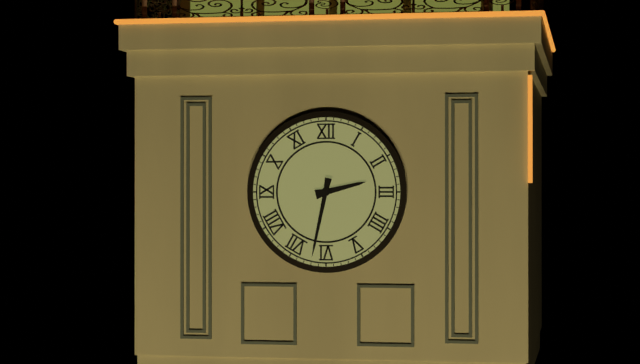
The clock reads 2:32
